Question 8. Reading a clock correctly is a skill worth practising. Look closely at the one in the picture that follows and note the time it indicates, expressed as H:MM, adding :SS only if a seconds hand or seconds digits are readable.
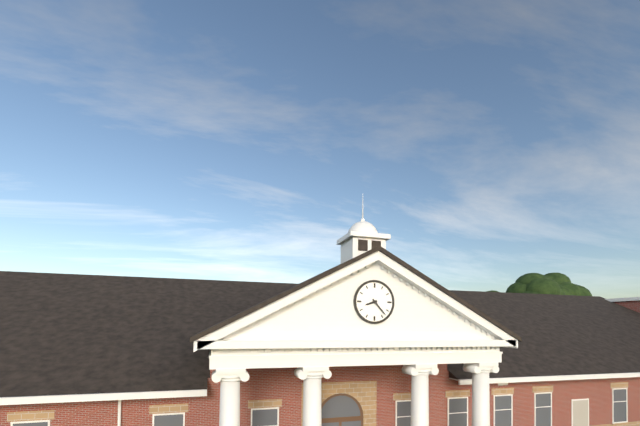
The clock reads 8:23
